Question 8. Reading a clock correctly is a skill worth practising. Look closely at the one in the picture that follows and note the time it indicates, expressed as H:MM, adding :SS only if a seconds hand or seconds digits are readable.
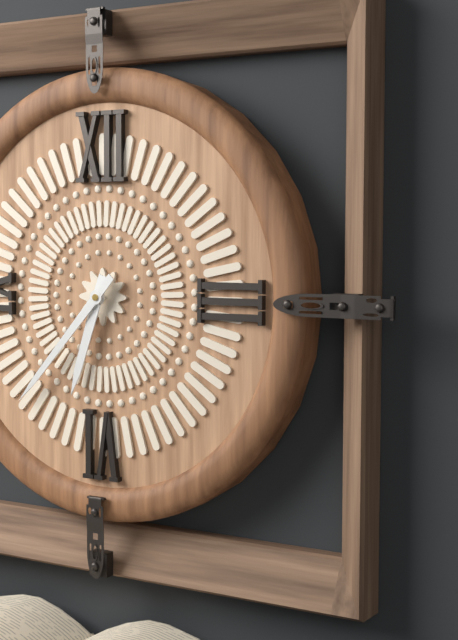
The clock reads 6:37
